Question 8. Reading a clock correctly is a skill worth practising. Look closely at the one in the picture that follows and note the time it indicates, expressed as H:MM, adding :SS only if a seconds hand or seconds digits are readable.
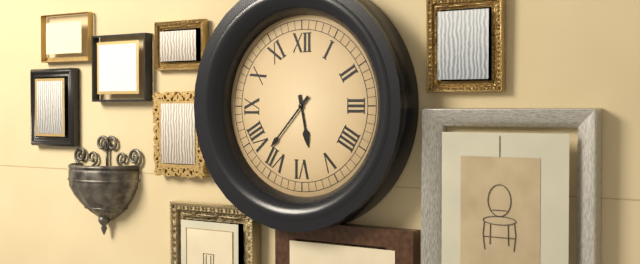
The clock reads 5:37
